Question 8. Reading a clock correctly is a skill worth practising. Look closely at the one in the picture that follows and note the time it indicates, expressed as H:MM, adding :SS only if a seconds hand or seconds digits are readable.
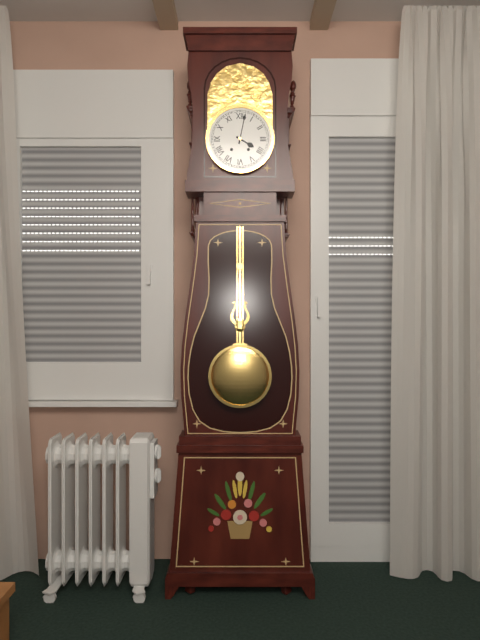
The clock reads 4:02
